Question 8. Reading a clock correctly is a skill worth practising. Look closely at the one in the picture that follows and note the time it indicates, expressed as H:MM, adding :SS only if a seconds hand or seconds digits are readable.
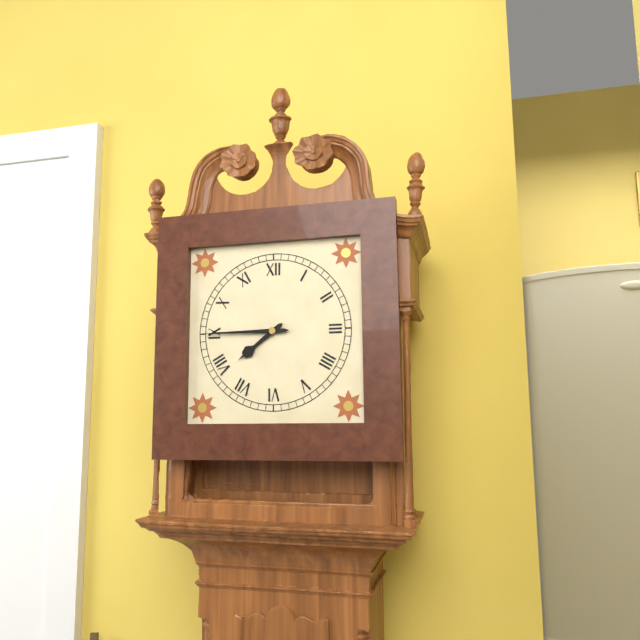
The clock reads 7:45
